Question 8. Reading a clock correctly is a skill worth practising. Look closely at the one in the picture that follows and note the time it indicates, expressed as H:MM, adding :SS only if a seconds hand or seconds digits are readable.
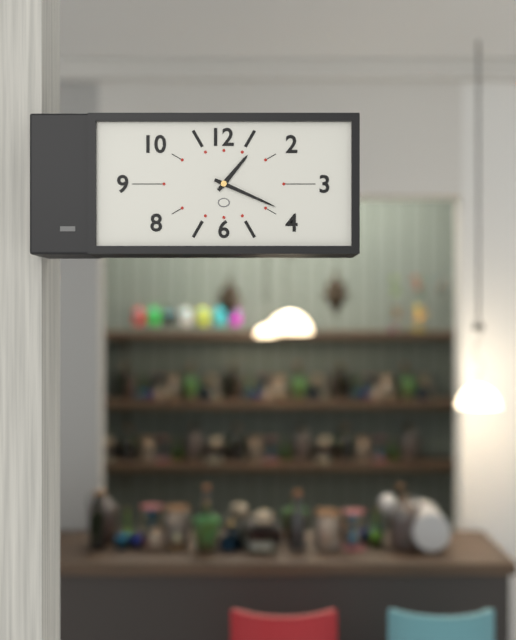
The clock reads 1:19
